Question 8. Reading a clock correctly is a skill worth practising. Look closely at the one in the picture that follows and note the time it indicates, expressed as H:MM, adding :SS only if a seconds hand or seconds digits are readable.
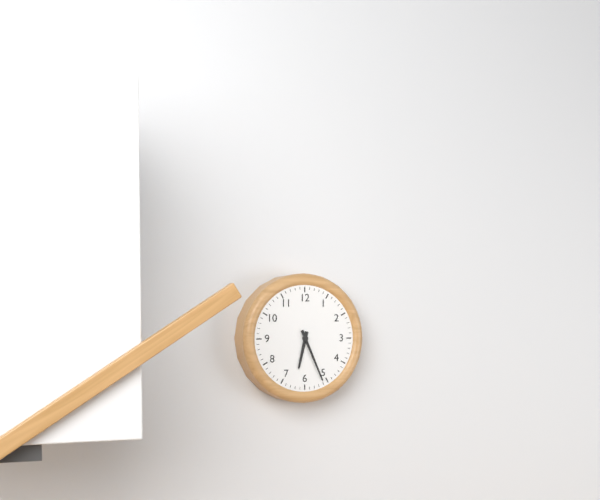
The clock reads 6:26
